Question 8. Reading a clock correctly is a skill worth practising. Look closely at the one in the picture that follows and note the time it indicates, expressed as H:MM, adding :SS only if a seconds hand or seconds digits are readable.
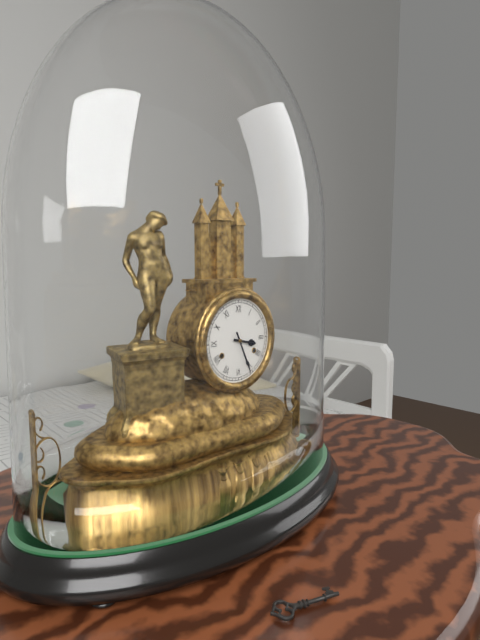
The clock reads 3:26
